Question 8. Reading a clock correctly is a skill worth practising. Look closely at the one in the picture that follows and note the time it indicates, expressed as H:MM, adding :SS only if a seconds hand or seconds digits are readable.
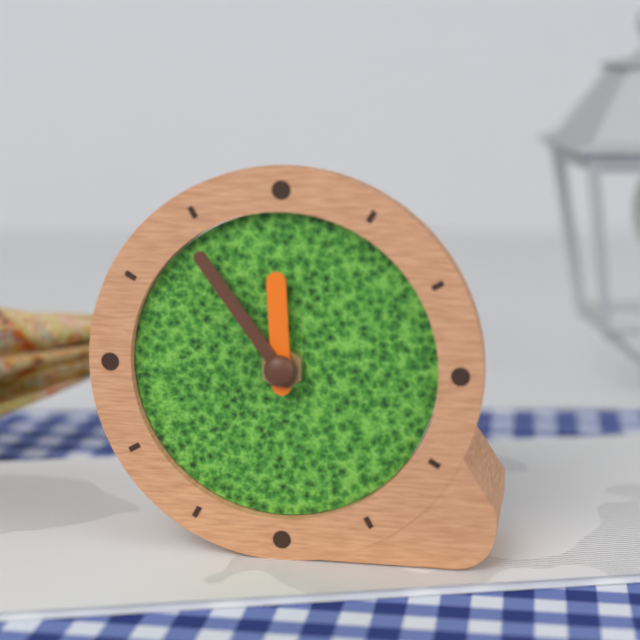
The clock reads 11:54
